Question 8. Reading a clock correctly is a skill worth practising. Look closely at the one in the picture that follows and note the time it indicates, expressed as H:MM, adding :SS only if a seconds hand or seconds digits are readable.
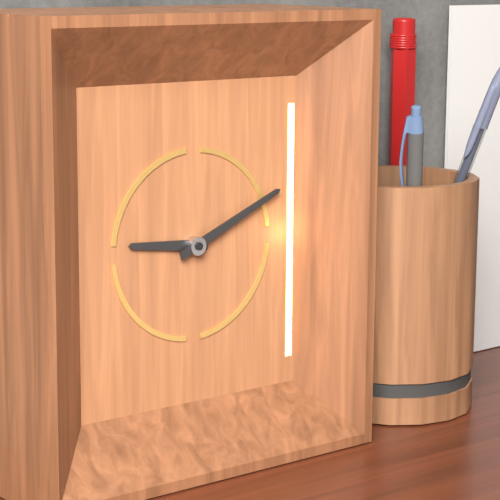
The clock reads 9:11
